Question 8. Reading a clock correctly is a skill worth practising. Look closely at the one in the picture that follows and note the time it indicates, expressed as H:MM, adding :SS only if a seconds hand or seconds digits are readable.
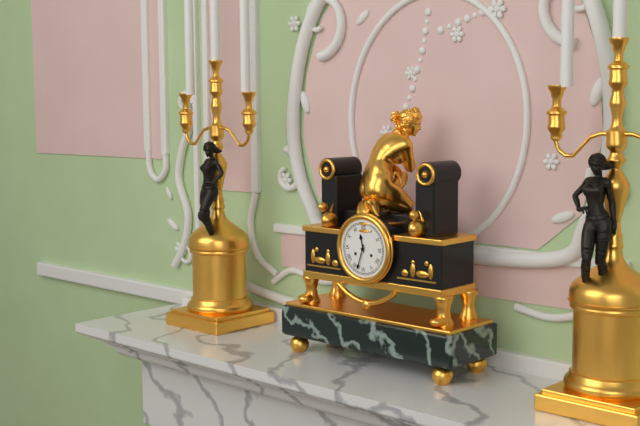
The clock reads 11:33
